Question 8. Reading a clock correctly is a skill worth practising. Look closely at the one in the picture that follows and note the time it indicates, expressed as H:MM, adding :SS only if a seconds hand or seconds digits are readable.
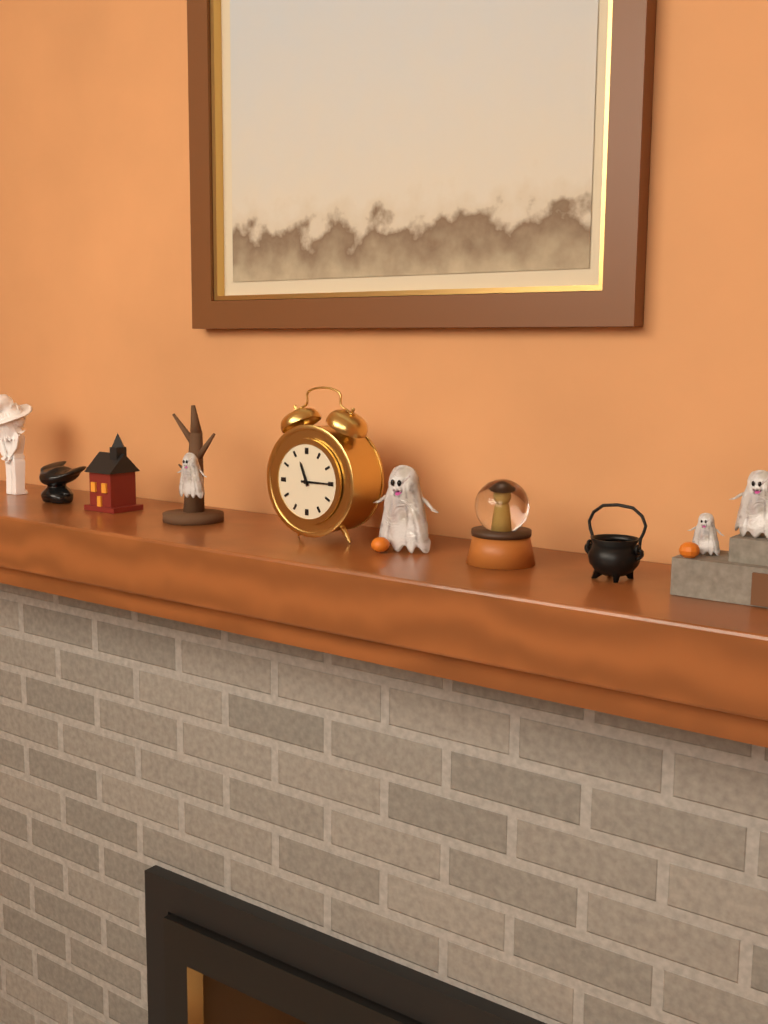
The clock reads 11:15
